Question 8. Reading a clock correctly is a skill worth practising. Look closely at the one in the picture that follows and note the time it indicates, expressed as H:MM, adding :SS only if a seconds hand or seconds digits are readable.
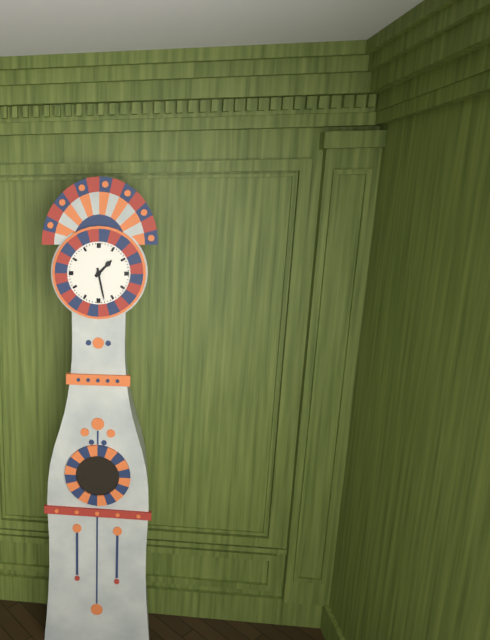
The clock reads 1:28
